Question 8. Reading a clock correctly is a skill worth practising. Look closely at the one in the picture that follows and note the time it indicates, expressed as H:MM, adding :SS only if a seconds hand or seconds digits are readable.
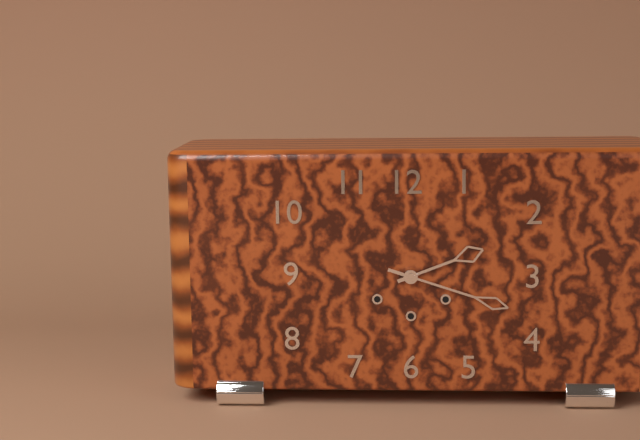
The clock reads 2:18
